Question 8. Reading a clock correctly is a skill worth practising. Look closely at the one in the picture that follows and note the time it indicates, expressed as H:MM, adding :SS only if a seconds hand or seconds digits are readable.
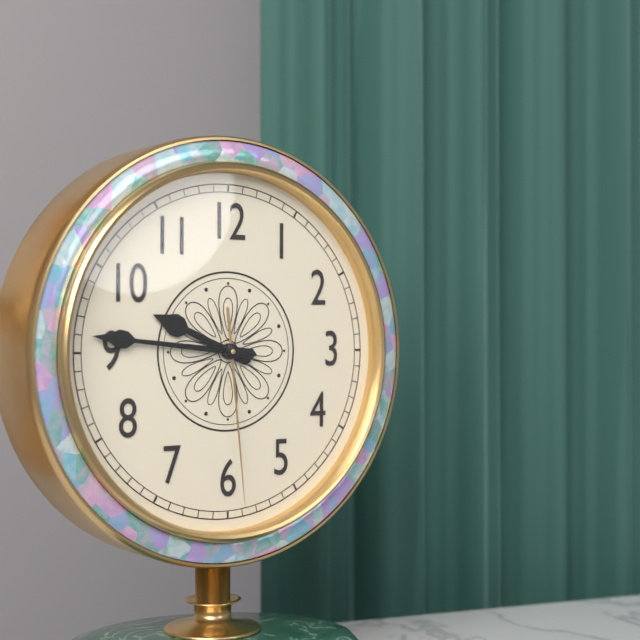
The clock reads 9:46:29
